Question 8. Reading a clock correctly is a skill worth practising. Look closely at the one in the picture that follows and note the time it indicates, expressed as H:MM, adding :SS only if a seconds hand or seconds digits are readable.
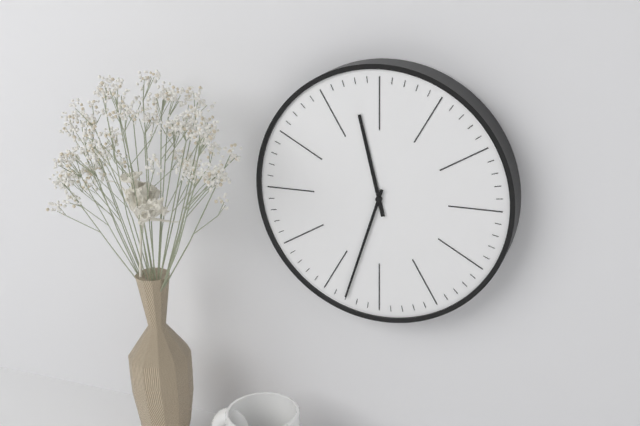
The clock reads 11:33
